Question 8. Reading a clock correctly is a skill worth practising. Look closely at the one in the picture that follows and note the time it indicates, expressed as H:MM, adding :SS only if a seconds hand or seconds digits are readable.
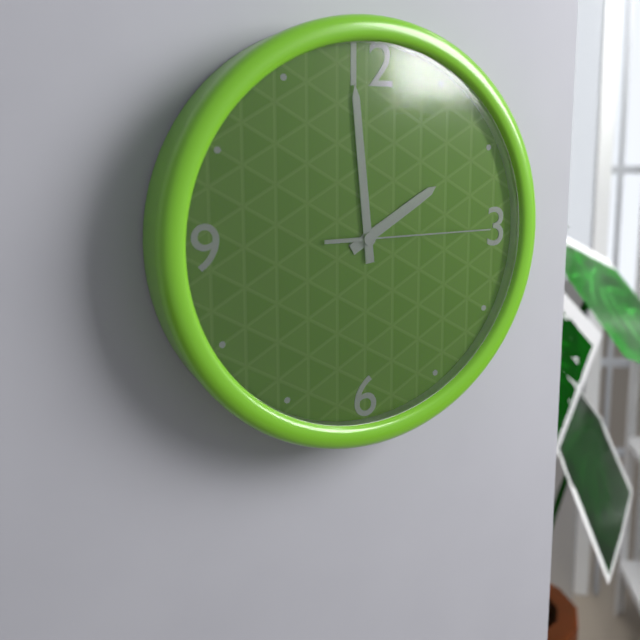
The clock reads 1:59:15
